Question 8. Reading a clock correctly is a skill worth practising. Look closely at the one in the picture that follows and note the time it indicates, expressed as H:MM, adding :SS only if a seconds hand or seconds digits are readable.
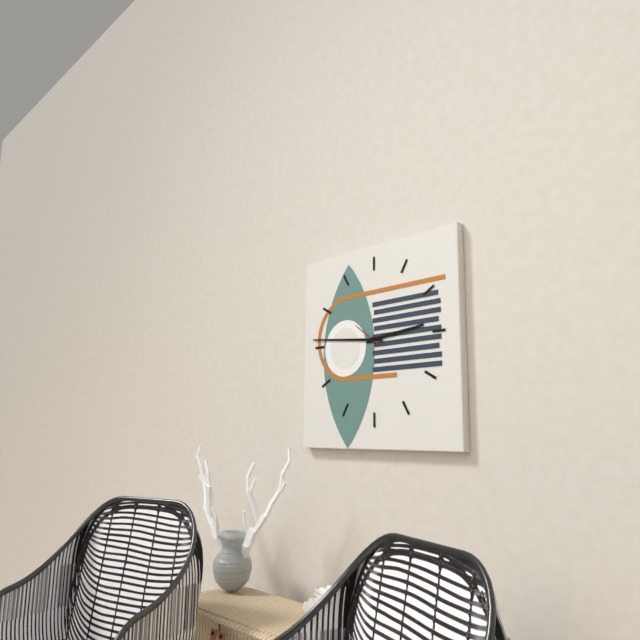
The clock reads 2:46
